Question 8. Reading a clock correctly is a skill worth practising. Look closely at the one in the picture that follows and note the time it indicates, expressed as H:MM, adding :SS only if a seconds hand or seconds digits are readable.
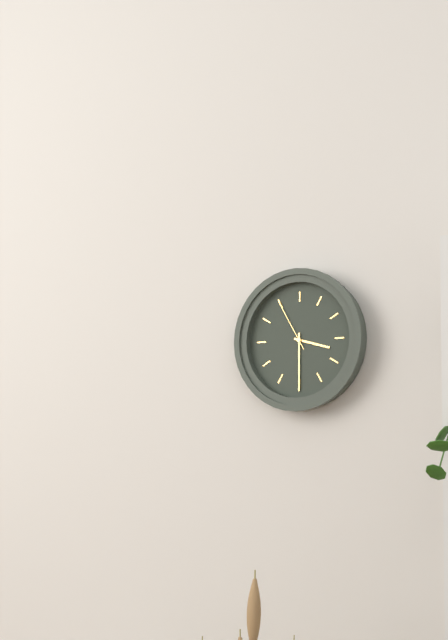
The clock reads 3:30:55
